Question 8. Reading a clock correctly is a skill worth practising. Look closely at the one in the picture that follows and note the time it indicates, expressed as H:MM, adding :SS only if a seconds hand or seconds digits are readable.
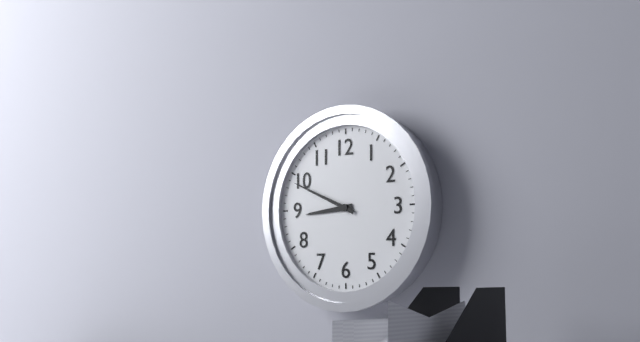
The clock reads 8:49
